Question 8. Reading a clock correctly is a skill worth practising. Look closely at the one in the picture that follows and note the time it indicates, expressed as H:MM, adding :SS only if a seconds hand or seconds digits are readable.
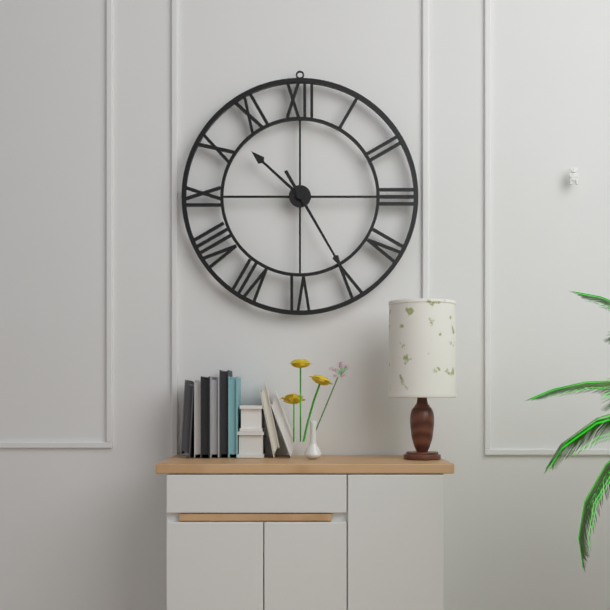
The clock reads 10:25
